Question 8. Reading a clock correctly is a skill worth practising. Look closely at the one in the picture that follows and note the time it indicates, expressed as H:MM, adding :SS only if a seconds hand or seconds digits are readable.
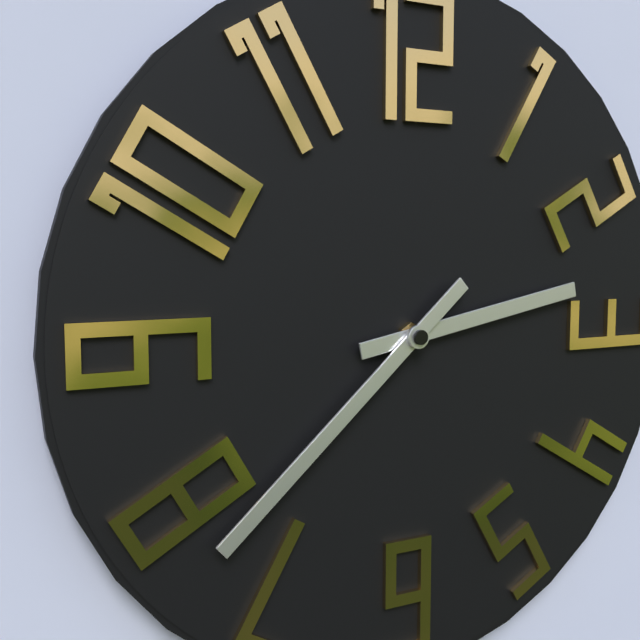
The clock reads 2:38
